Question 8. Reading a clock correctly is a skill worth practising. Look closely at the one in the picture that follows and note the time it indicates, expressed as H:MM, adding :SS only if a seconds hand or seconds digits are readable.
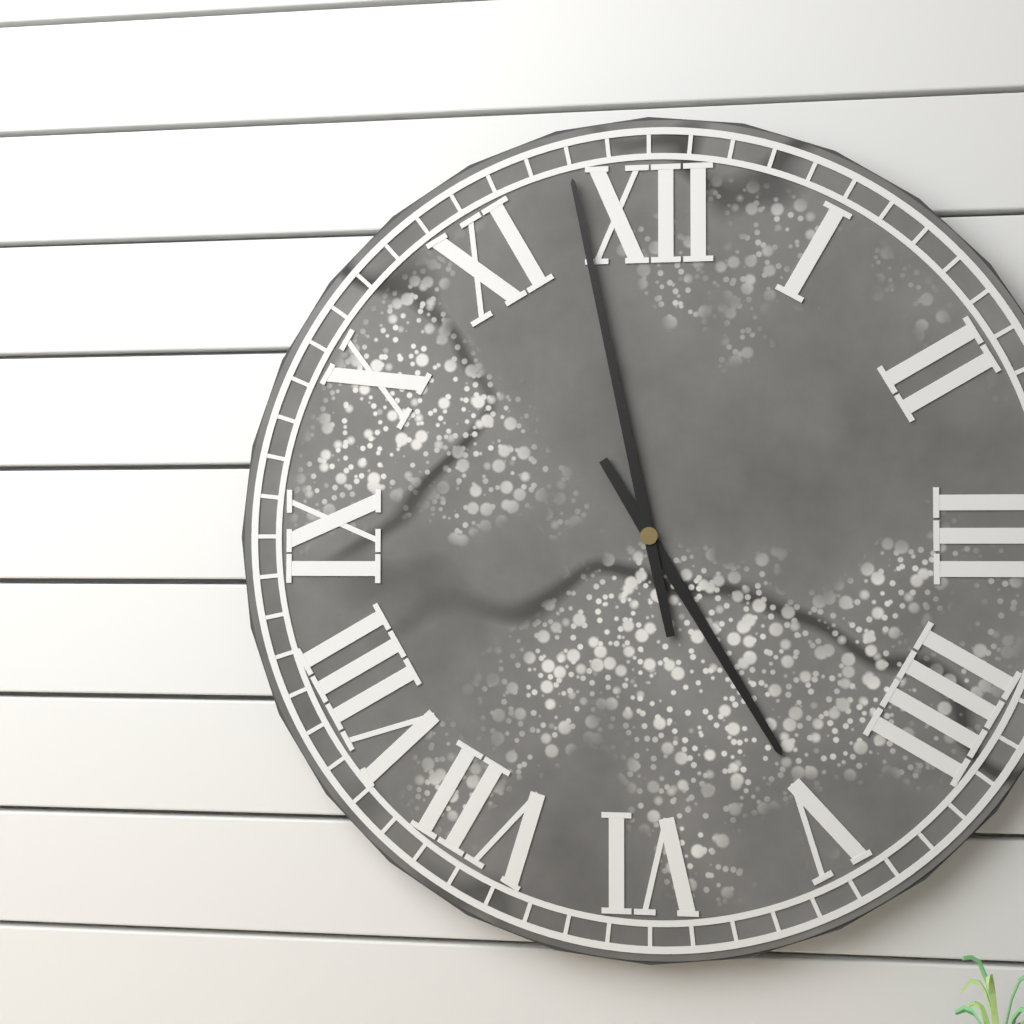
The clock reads 4:58
